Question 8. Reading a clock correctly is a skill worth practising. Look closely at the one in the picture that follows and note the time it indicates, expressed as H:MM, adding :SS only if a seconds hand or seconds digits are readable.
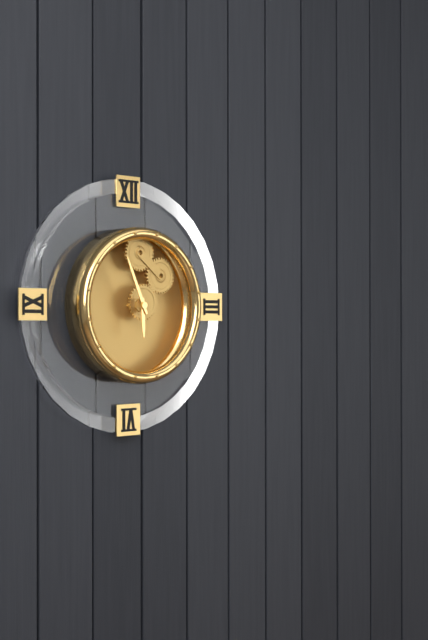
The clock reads 5:56
